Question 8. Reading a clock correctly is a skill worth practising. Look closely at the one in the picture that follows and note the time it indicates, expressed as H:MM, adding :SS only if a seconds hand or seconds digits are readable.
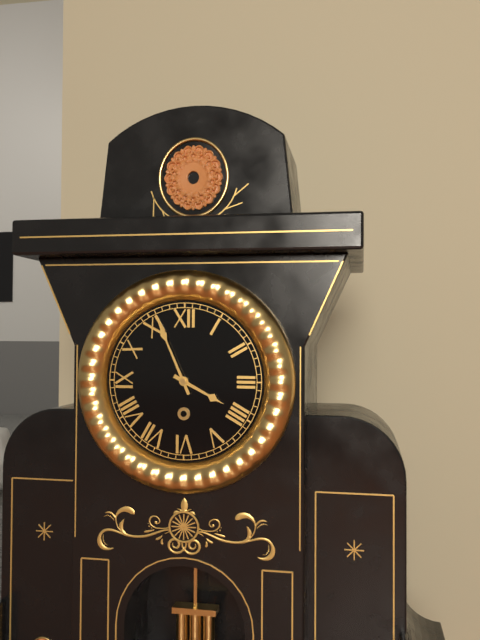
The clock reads 3:56
